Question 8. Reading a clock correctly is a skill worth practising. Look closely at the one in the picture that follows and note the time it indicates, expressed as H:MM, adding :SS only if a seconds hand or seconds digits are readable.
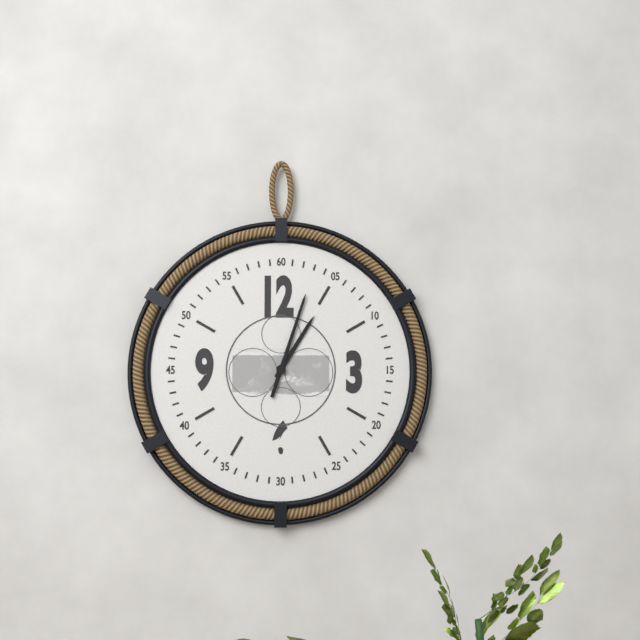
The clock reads 1:03
